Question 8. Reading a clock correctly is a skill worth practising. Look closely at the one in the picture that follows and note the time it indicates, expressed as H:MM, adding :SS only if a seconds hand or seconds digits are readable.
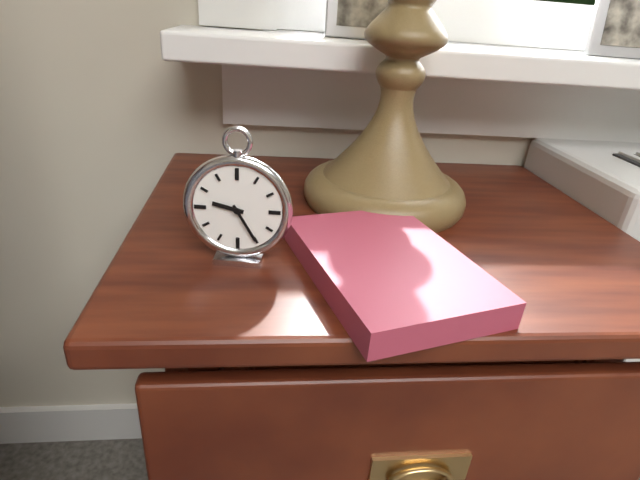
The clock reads 9:25
